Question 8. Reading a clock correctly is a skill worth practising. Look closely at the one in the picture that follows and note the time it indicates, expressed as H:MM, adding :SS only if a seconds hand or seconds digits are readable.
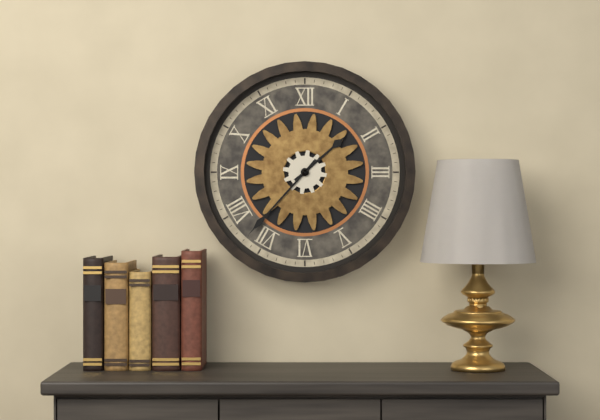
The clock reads 1:37
